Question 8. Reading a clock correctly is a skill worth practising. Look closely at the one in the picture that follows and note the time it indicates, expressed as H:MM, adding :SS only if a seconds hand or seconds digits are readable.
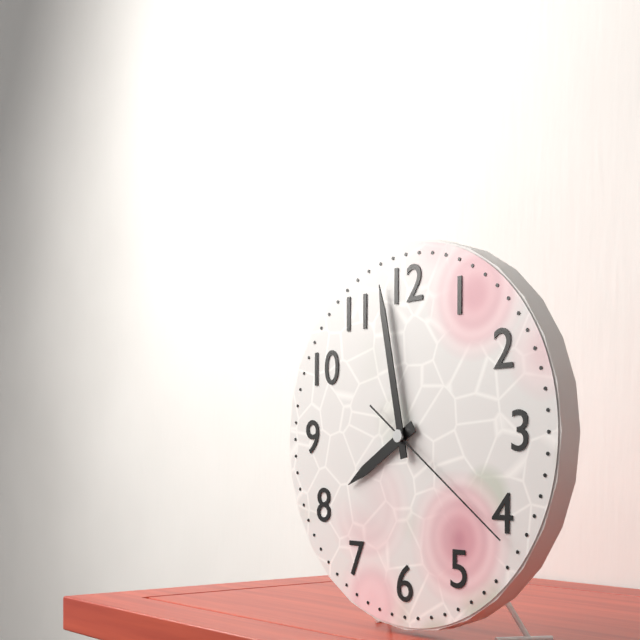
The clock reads 7:58:21
